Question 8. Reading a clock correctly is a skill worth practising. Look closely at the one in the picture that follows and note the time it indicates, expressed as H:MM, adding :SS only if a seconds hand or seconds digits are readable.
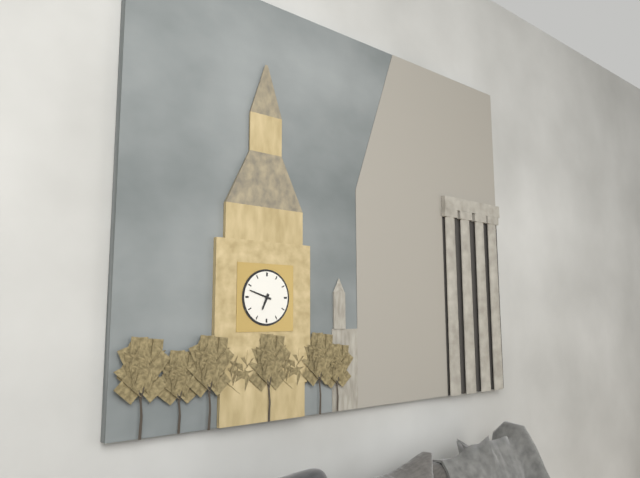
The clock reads 6:48
